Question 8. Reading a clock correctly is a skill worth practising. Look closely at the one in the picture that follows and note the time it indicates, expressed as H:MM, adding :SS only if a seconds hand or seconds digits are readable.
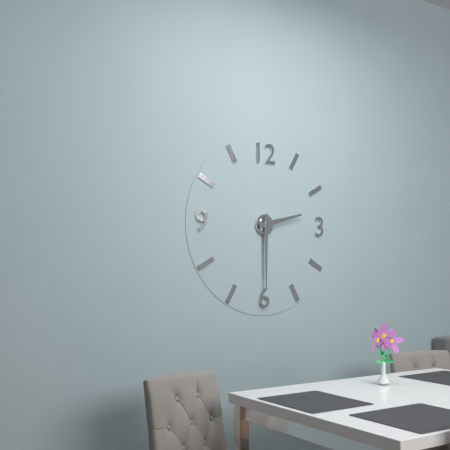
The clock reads 2:30
